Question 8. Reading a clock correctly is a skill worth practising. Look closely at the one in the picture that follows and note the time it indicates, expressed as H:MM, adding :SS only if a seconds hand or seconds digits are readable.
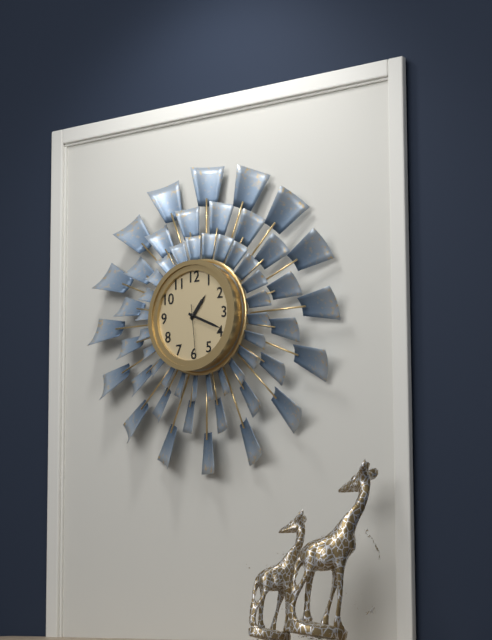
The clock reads 1:19:29
